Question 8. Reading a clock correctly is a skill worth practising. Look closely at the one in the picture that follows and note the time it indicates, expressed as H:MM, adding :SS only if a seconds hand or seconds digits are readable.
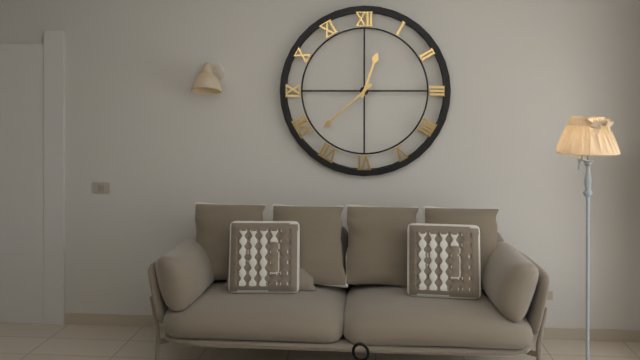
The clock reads 12:38
